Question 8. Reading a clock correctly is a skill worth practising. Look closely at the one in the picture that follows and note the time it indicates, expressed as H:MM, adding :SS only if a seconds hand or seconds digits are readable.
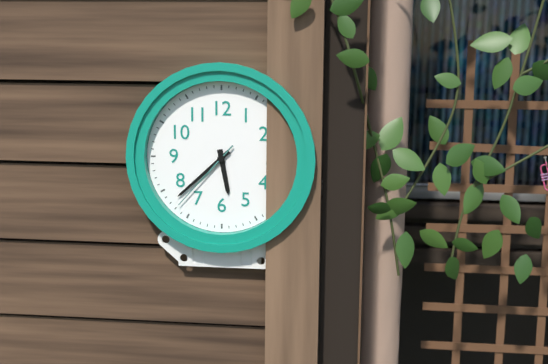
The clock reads 5:38:37
